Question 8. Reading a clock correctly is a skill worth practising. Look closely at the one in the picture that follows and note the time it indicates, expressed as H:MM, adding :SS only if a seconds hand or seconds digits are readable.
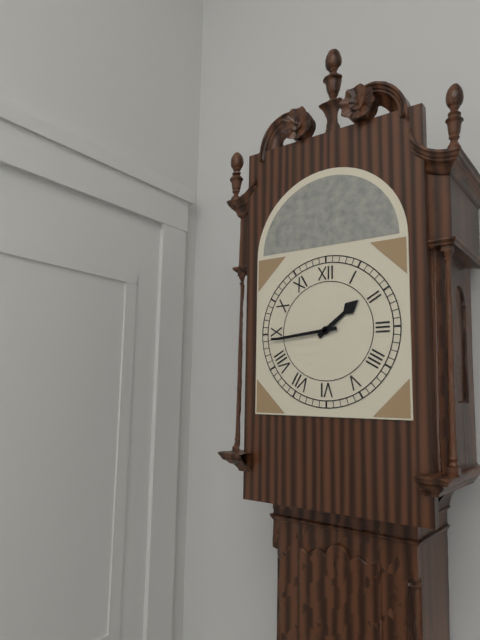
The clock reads 1:44
